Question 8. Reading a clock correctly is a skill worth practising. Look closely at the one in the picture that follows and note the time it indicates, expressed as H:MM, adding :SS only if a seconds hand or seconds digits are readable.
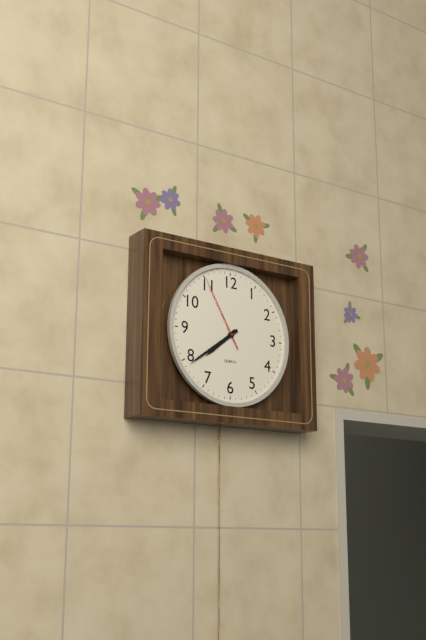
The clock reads 7:39:55
